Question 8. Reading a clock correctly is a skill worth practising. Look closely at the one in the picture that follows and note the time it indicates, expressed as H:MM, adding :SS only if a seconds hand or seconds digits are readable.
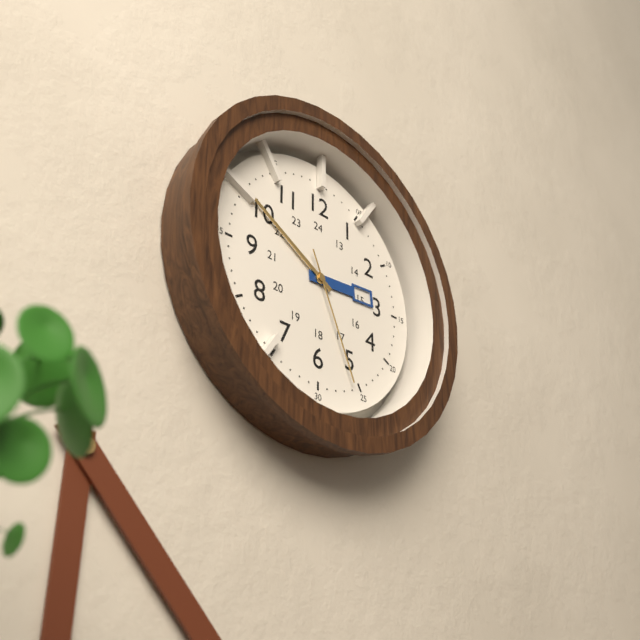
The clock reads 2:50:26
